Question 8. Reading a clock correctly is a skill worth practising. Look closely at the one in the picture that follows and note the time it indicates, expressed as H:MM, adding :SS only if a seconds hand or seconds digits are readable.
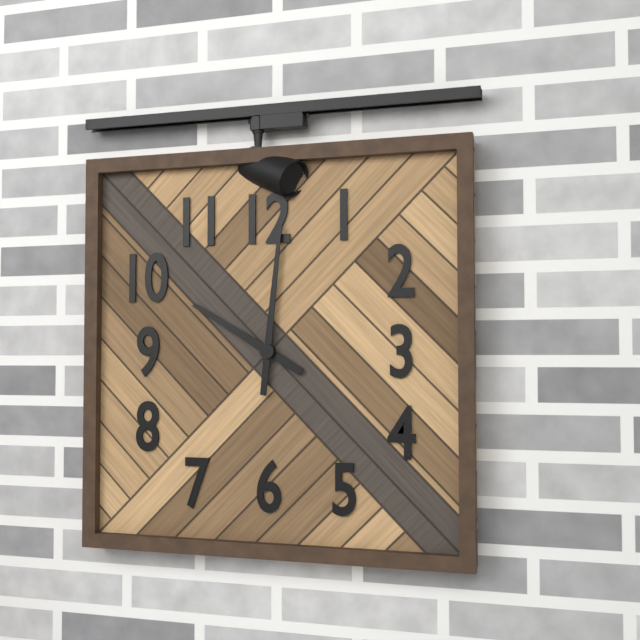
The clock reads 10:01
